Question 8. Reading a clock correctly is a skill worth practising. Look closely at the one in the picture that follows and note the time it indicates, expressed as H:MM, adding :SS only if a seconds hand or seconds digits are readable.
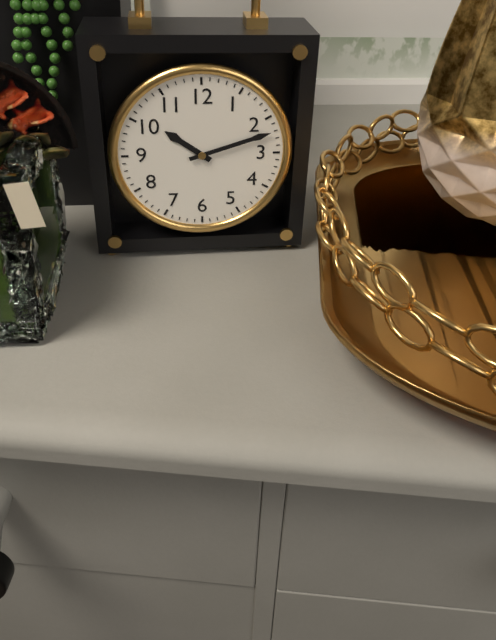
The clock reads 10:12
